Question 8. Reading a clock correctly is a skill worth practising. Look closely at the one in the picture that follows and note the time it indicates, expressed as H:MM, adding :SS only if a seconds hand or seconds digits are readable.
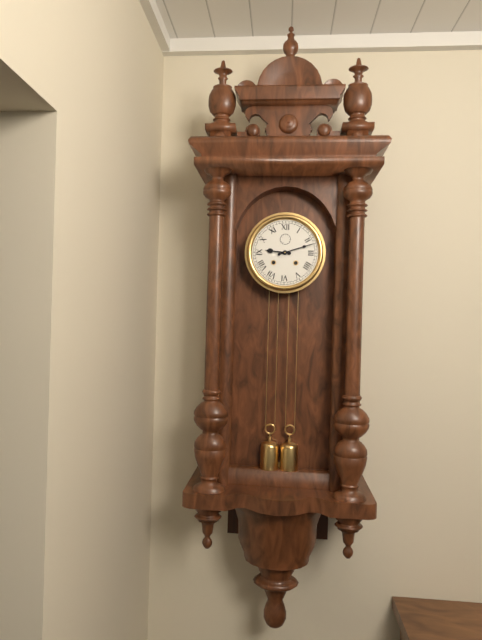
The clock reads 9:12
